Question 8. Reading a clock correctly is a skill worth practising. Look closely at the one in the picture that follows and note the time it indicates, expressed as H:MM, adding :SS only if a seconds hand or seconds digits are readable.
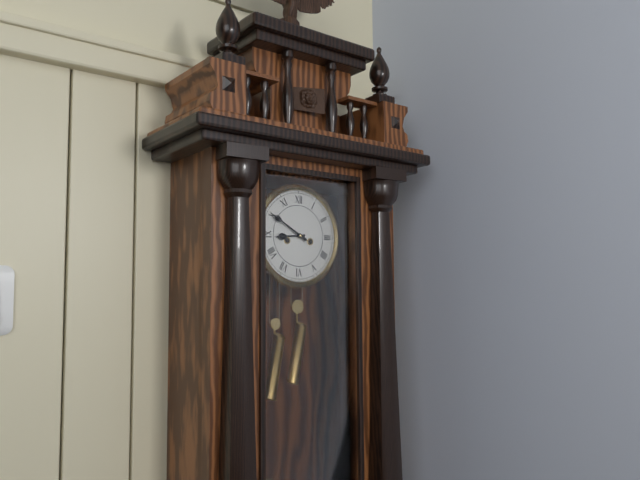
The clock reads 8:50
